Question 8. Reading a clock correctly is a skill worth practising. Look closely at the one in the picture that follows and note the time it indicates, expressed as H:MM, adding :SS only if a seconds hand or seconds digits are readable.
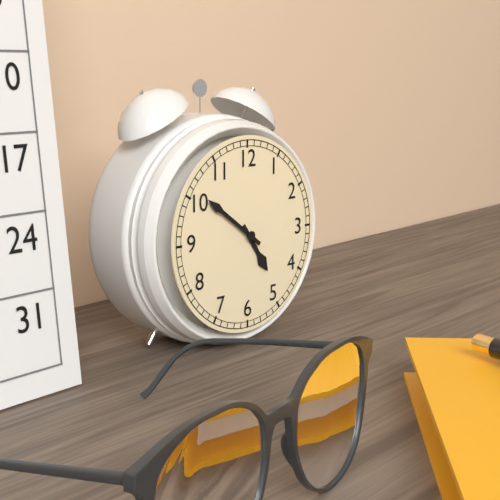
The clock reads 4:51
